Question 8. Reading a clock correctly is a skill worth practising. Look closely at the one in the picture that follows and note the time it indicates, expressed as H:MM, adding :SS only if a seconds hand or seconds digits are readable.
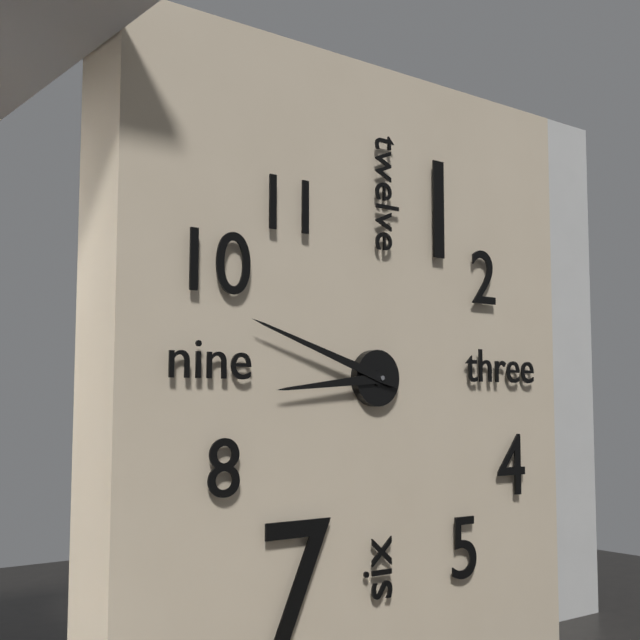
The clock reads 8:48
